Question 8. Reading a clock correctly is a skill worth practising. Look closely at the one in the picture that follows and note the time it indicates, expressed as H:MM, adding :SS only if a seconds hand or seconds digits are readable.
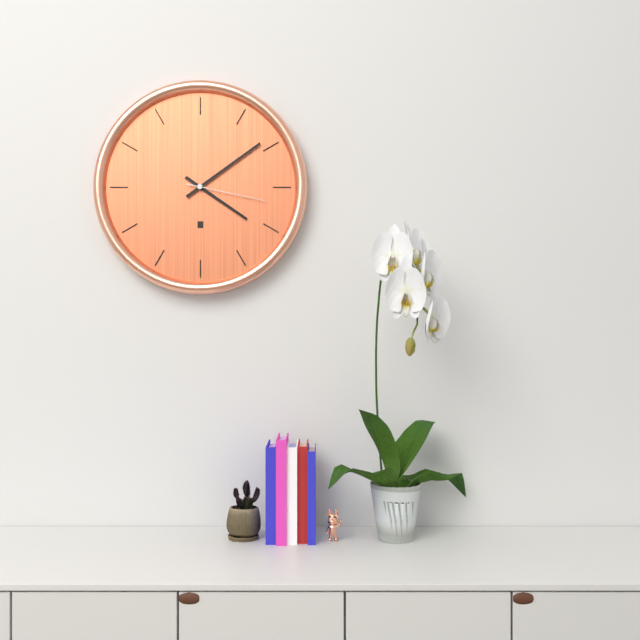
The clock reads 4:09:17
